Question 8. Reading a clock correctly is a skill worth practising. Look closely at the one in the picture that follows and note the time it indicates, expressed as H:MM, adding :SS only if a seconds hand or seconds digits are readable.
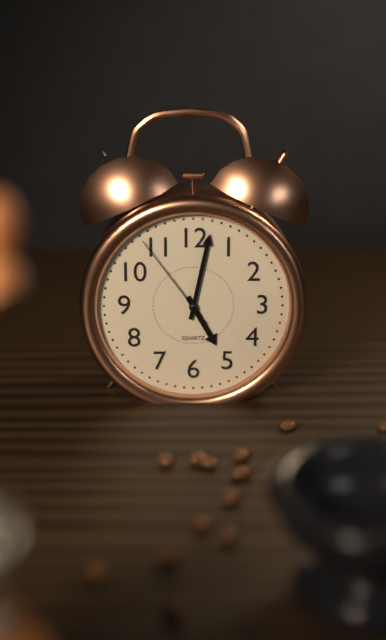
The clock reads 5:02:54
